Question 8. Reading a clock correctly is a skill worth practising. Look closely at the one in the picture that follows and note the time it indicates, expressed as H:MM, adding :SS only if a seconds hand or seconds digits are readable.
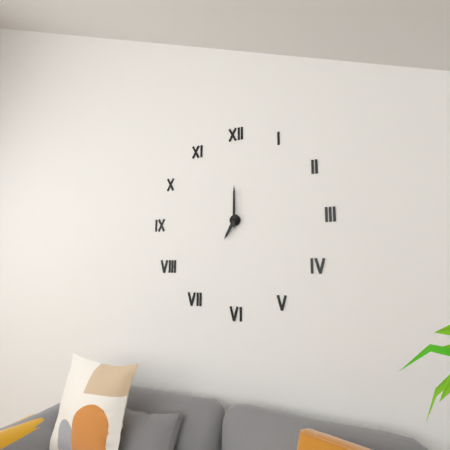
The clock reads 7:00
